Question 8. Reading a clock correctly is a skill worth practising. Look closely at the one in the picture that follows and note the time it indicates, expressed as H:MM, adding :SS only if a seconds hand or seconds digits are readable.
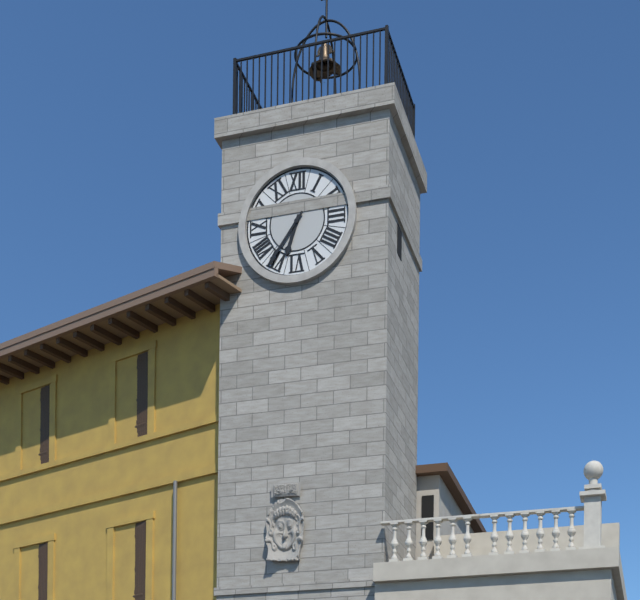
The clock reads 6:36
